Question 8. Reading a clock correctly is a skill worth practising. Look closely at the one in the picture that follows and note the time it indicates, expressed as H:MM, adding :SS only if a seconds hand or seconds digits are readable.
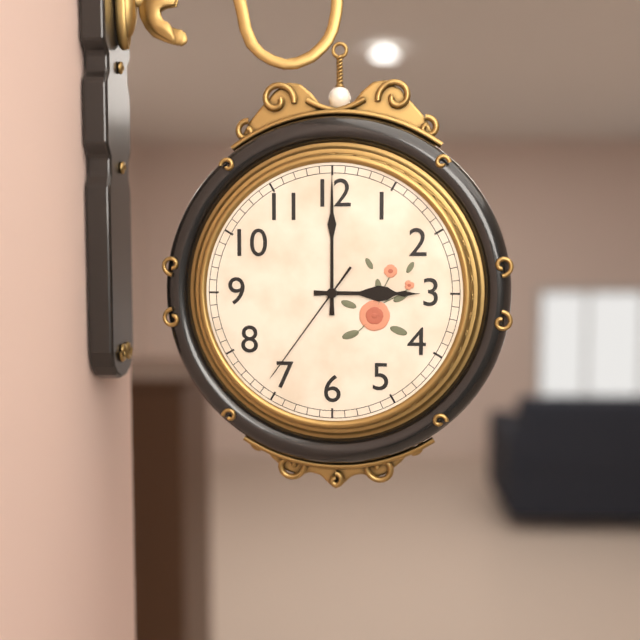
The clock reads 3:00:36
